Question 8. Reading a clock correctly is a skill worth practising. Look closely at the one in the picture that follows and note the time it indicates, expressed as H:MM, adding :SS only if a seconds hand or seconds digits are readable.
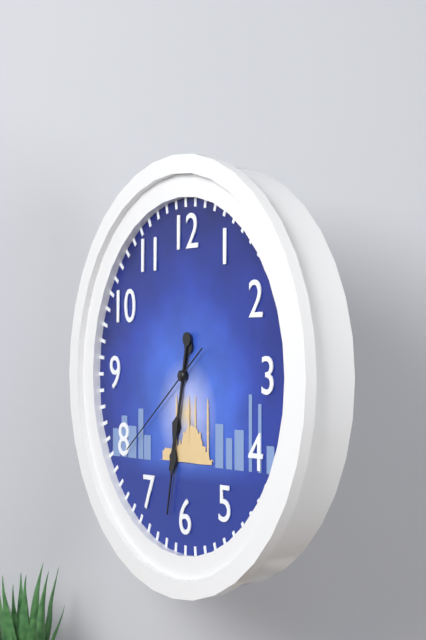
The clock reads 6:32:39
